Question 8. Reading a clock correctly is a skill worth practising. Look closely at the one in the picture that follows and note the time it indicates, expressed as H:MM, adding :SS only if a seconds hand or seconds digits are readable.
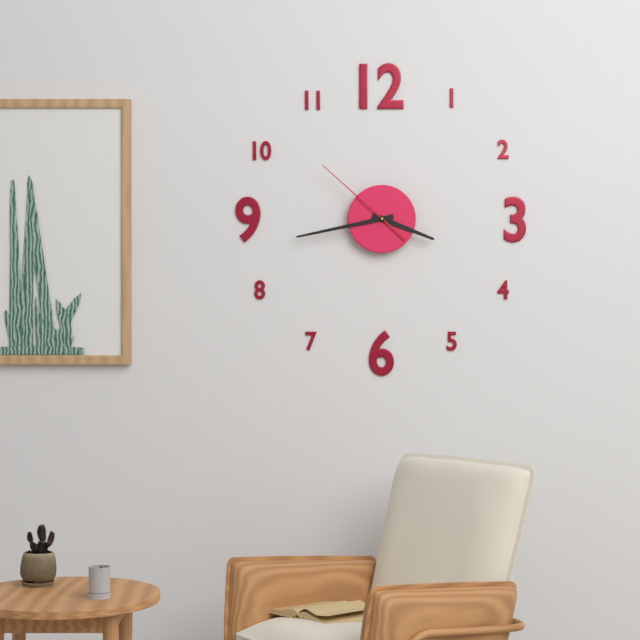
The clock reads 3:43:52
